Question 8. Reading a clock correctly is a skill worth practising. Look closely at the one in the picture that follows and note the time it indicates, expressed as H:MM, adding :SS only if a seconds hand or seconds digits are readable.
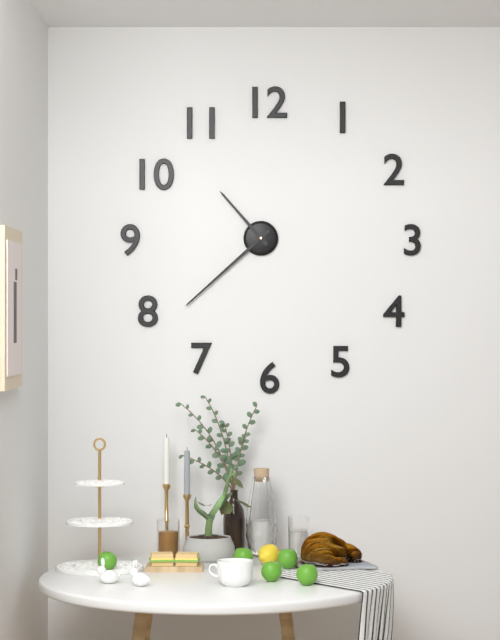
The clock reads 10:38
